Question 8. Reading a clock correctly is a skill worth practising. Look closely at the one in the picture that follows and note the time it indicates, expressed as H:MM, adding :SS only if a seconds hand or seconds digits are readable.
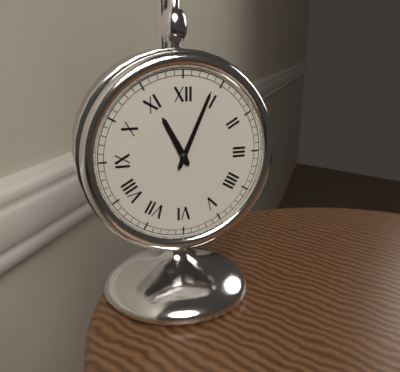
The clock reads 11:04
